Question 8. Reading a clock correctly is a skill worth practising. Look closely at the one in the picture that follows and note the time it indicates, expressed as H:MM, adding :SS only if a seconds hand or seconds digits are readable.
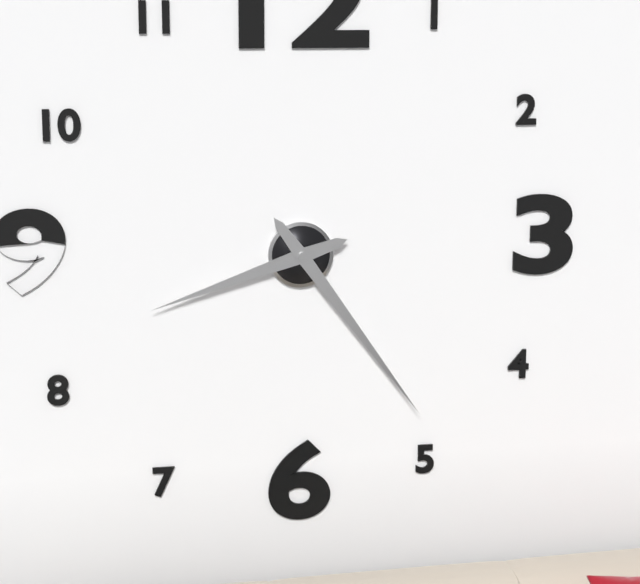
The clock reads 8:24
